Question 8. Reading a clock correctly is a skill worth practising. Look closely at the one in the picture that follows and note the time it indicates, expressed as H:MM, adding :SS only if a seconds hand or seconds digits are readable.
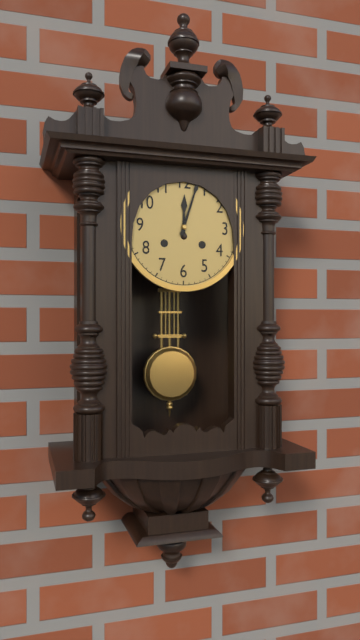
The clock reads 12:03
